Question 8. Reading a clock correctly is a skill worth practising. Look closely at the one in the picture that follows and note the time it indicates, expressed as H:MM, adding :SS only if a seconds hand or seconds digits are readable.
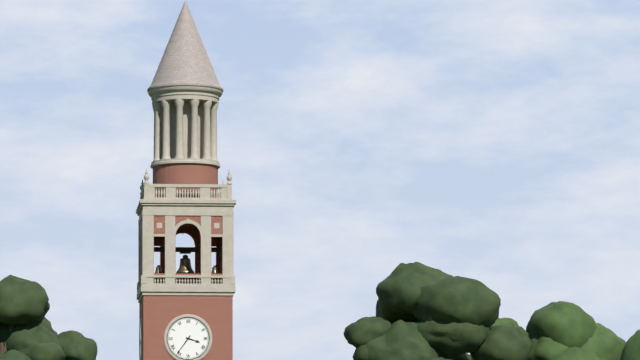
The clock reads 3:36
